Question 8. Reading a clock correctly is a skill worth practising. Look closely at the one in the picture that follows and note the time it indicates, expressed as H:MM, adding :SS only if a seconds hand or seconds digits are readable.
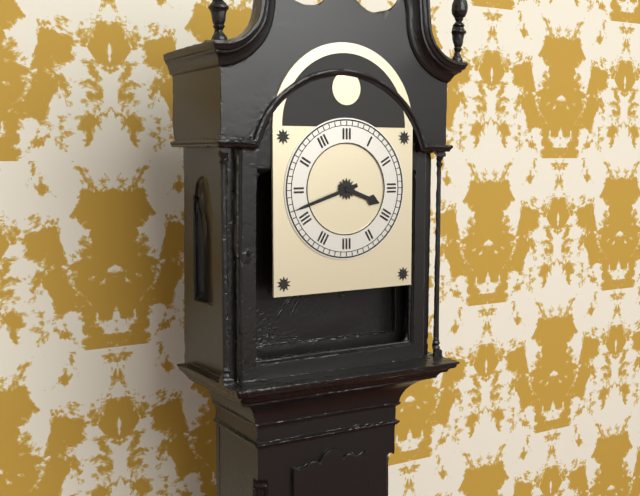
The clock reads 3:42
